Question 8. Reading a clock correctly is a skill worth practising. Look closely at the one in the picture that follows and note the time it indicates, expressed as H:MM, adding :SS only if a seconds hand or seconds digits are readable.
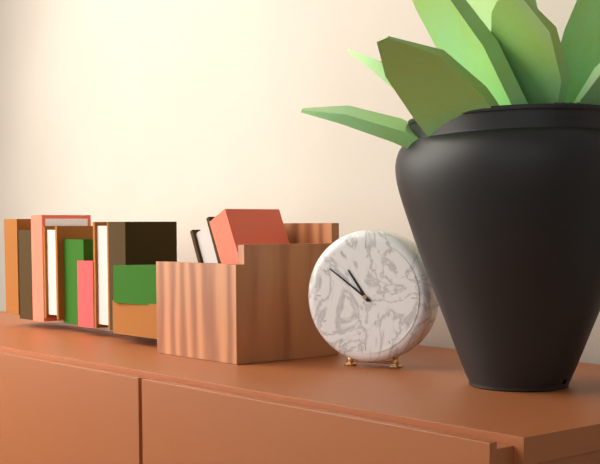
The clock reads 10:51
